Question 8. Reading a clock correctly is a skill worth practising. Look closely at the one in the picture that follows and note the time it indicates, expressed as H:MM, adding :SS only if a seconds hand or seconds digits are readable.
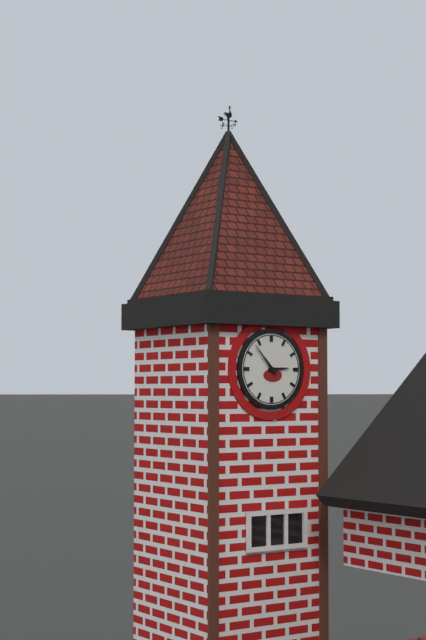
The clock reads 2:53
